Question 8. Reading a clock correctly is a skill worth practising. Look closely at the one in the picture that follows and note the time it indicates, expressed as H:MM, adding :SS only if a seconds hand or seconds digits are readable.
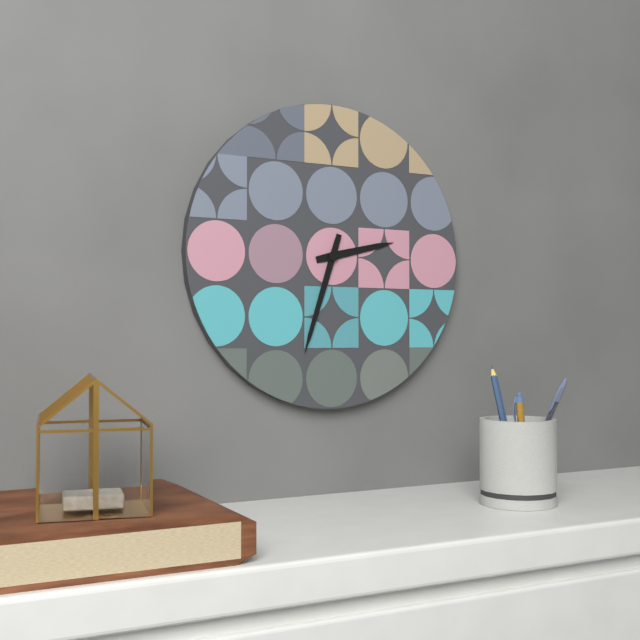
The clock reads 2:33
